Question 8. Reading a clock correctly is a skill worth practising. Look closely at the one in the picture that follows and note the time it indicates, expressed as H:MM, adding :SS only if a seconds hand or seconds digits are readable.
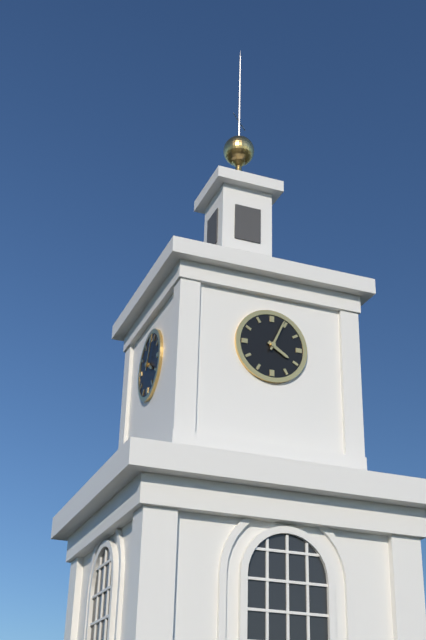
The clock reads 4:04
